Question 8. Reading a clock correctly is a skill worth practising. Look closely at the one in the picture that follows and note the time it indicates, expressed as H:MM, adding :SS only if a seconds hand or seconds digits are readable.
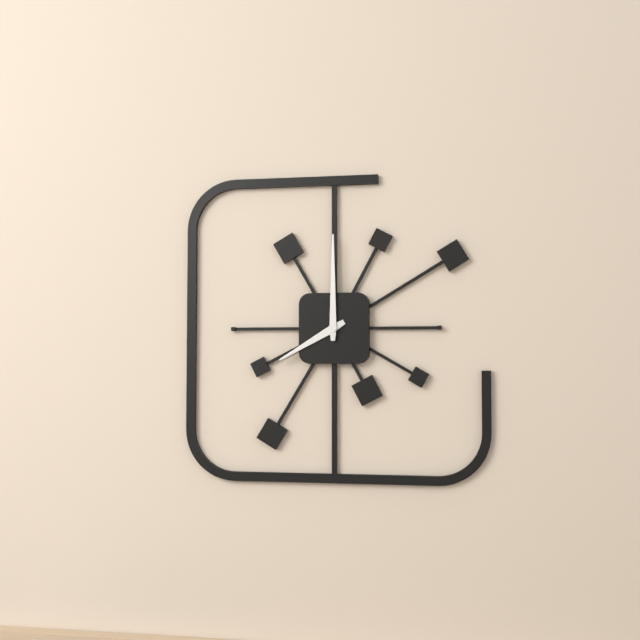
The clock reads 8:00
